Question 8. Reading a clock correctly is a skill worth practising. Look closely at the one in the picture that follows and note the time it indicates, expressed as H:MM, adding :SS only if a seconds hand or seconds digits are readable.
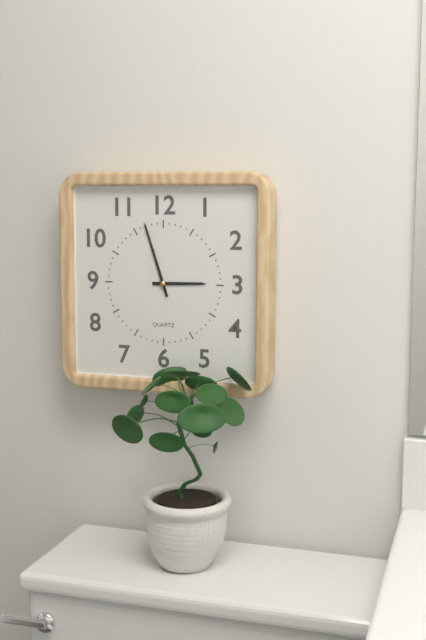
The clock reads 2:57
